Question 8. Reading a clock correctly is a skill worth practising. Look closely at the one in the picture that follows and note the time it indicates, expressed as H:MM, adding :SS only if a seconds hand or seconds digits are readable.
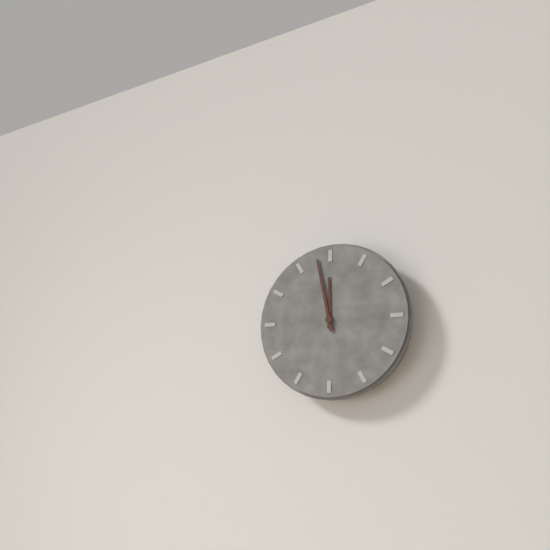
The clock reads 11:58
